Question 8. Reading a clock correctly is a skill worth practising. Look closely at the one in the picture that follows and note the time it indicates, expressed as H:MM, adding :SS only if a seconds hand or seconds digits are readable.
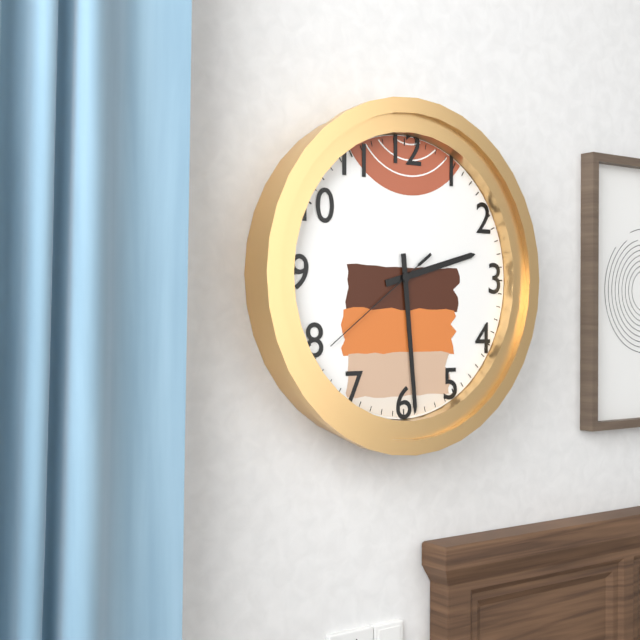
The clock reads 2:29:39
